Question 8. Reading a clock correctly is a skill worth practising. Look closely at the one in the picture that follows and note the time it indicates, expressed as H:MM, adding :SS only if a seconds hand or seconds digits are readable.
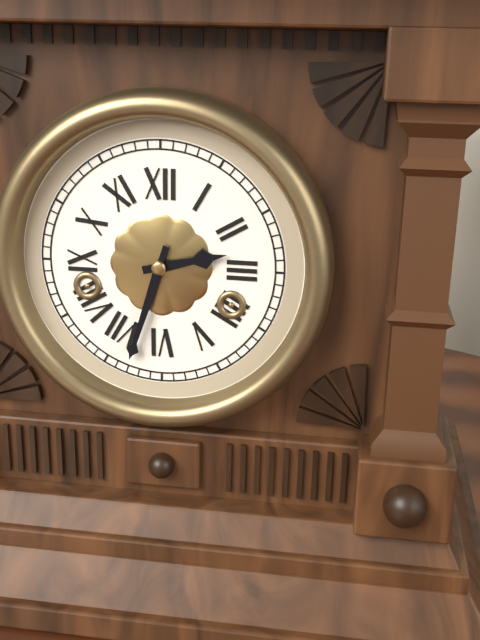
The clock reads 2:33
